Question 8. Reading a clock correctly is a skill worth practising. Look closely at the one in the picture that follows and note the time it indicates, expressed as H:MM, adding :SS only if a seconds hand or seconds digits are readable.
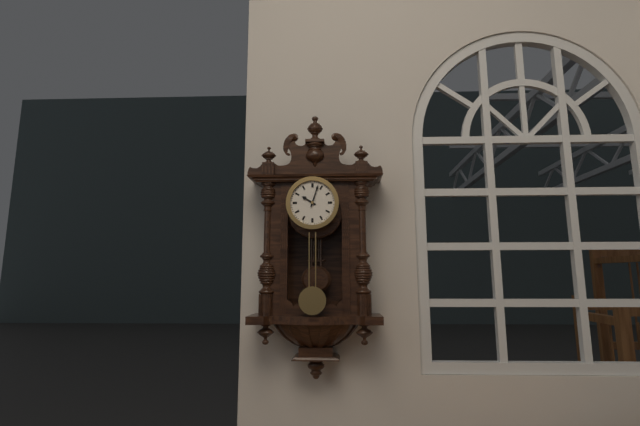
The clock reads 10:03
